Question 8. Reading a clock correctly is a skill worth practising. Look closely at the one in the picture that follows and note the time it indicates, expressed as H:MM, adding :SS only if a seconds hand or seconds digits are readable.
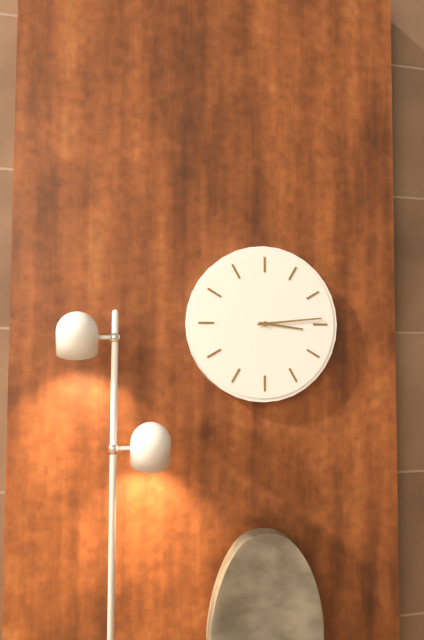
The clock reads 3:14
